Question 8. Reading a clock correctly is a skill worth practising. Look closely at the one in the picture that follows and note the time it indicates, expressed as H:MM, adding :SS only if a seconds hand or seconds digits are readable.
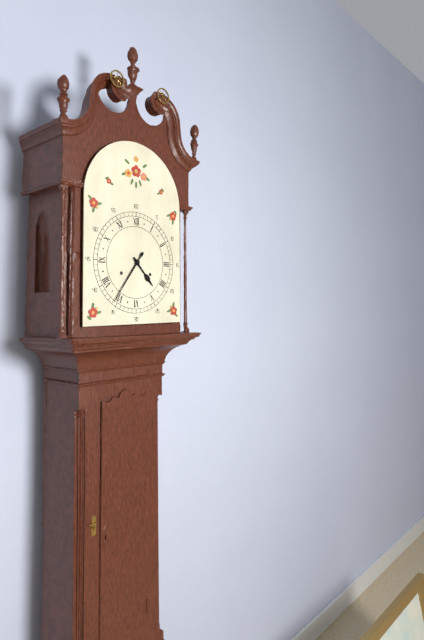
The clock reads 4:36
